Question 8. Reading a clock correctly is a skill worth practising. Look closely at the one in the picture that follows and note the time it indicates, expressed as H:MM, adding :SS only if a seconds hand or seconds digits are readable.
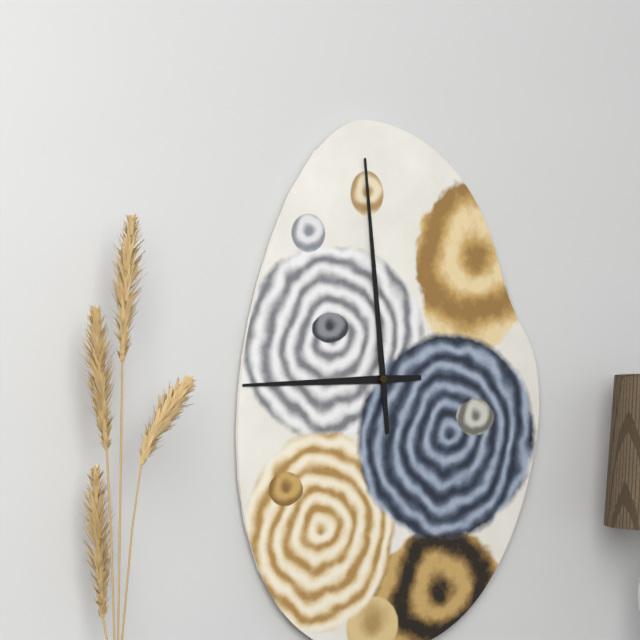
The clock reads 8:59
